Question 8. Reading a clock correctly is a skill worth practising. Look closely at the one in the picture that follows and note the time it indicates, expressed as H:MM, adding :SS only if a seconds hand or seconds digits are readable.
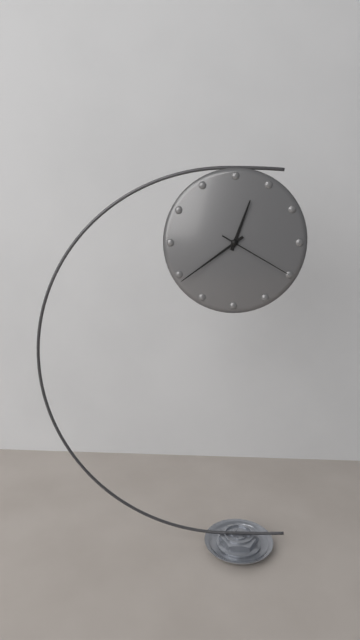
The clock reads 12:39:20
